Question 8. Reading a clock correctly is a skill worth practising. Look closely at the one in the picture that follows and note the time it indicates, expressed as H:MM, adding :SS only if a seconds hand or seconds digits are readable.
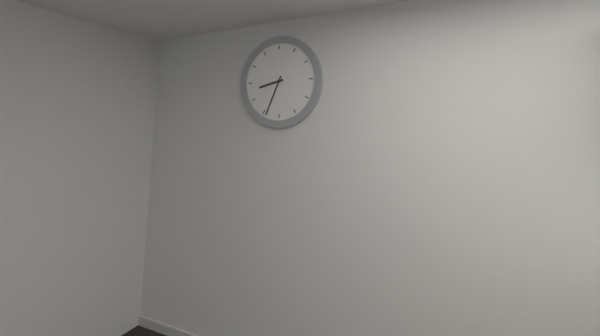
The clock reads 8:34
